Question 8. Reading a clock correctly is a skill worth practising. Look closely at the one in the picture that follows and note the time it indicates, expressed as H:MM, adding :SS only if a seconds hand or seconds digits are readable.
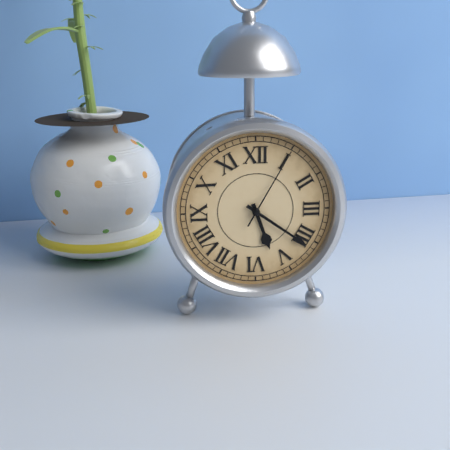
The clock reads 5:21:05
